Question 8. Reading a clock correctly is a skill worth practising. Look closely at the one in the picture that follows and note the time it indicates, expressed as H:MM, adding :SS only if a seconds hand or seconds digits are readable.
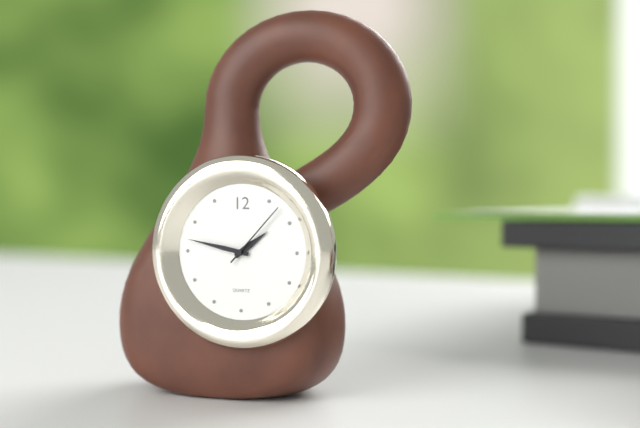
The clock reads 1:47:07
